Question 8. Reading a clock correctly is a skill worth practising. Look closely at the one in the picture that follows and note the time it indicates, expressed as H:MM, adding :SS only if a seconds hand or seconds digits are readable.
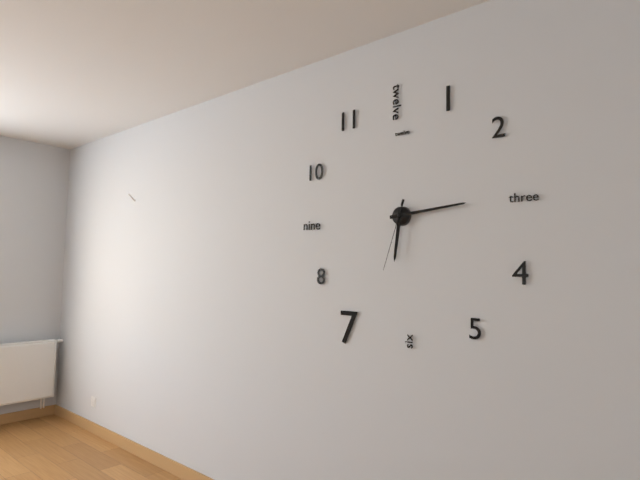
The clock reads 6:14:33
